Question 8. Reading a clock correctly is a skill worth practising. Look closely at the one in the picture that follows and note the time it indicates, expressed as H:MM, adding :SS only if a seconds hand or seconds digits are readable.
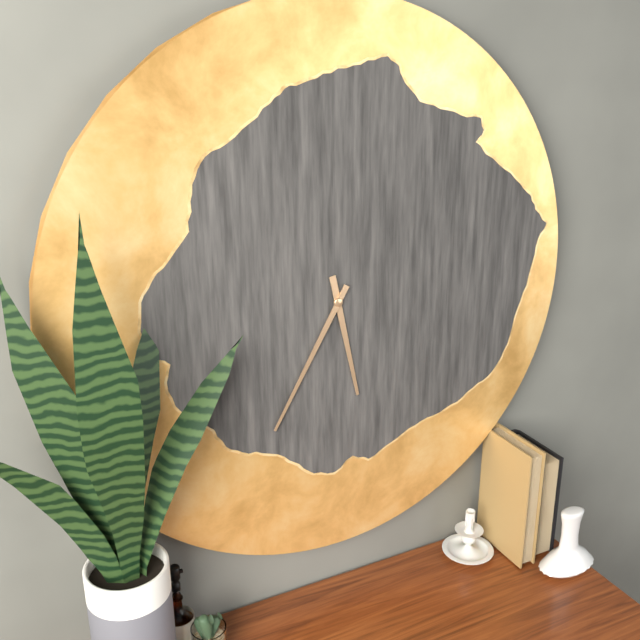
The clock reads 5:35
